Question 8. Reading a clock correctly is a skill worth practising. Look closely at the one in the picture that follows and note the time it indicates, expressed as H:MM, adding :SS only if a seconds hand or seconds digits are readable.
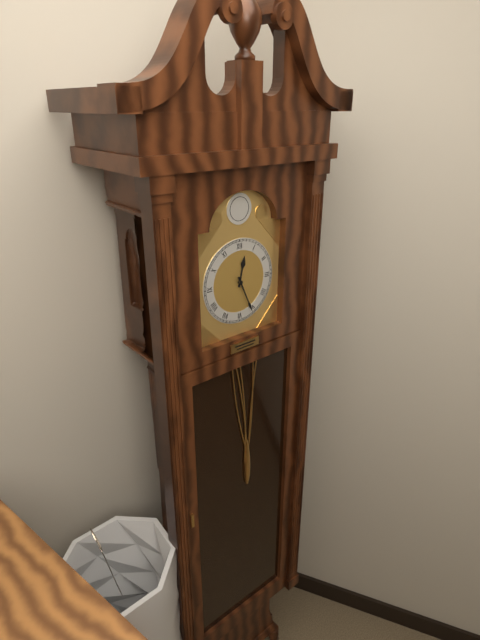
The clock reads 12:26
